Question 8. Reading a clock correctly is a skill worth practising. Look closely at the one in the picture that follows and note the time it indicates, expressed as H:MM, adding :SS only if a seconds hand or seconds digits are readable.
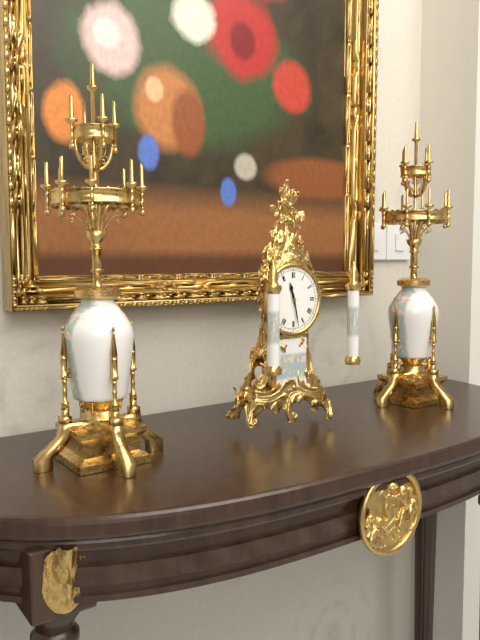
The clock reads 11:28
